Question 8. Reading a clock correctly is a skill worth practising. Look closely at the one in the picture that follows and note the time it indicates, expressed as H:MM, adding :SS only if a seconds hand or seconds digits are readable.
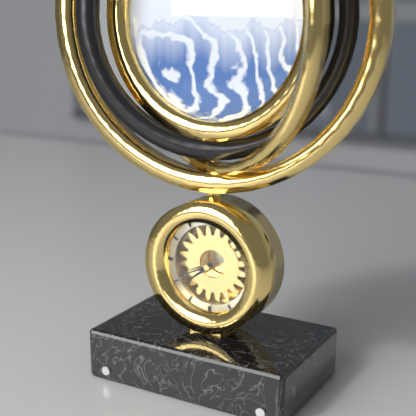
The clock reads 7:41
